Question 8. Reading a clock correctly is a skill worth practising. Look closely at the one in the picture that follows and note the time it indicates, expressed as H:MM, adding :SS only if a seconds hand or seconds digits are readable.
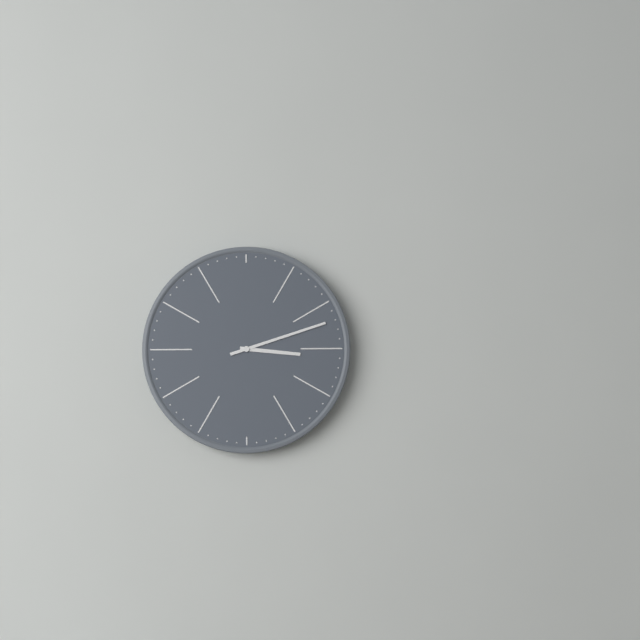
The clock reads 3:12
